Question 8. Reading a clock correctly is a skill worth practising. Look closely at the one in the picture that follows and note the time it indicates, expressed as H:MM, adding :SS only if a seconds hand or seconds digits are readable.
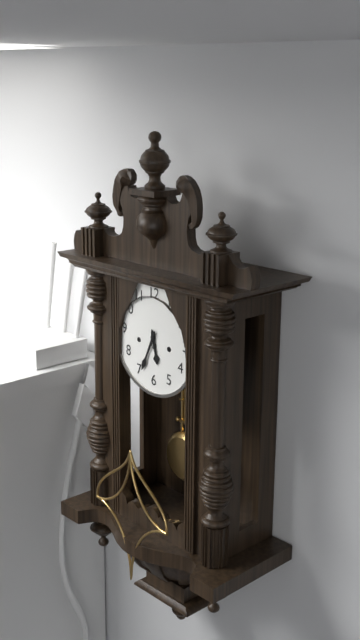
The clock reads 5:34
